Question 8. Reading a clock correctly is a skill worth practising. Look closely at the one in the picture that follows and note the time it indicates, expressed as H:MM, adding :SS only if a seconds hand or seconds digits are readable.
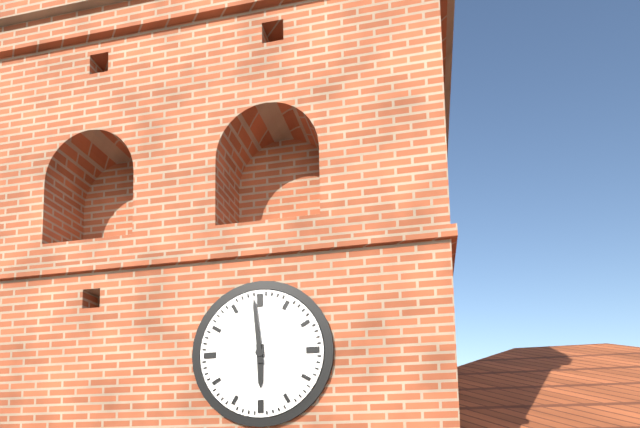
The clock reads 5:59
